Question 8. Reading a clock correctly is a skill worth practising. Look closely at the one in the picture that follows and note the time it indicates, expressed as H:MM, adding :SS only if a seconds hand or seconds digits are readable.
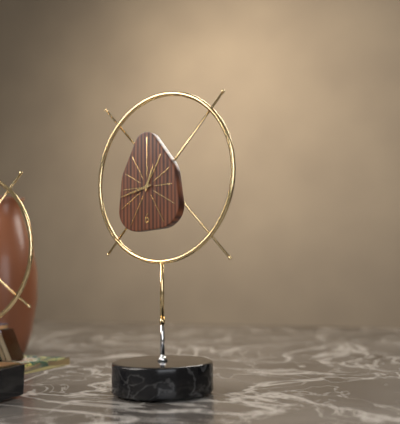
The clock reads 12:43
